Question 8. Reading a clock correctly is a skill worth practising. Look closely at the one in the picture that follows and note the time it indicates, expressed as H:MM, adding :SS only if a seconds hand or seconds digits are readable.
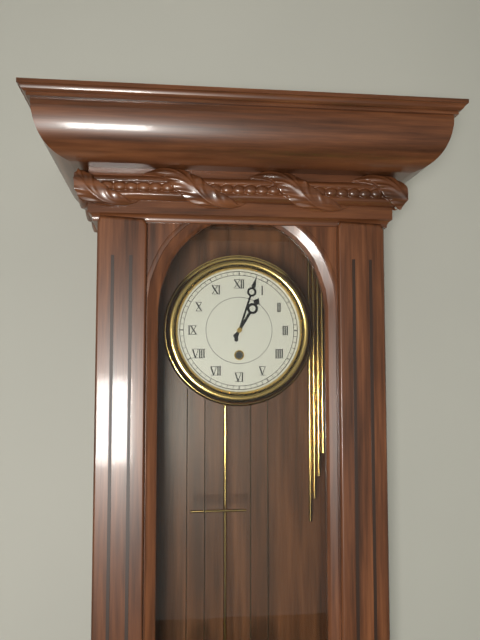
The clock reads 1:03
